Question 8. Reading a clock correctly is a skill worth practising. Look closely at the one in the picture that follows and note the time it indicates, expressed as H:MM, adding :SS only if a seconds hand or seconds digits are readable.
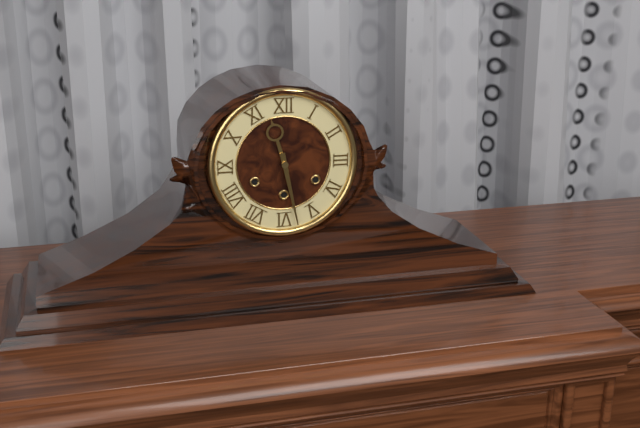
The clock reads 11:28
